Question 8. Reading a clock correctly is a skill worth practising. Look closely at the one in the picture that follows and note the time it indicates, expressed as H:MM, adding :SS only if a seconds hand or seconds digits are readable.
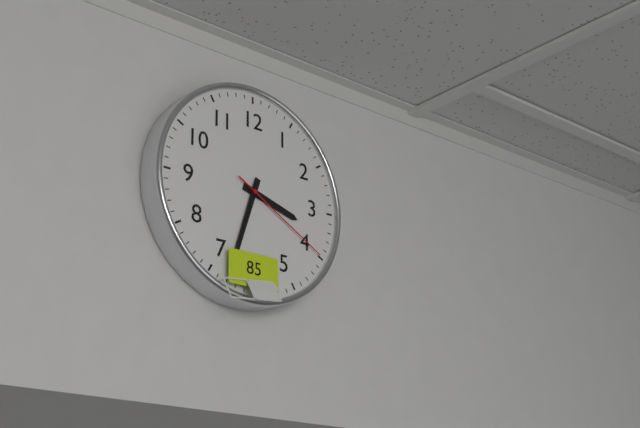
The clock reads 3:33:20
